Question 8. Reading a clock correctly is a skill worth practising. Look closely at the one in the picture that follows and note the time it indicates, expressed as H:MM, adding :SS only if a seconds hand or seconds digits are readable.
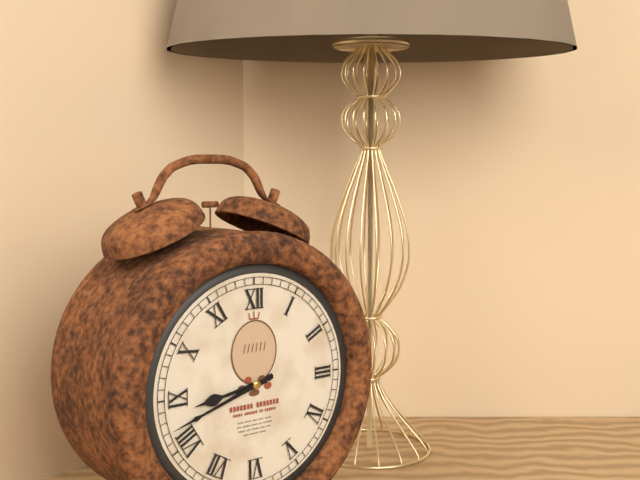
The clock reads 8:42
